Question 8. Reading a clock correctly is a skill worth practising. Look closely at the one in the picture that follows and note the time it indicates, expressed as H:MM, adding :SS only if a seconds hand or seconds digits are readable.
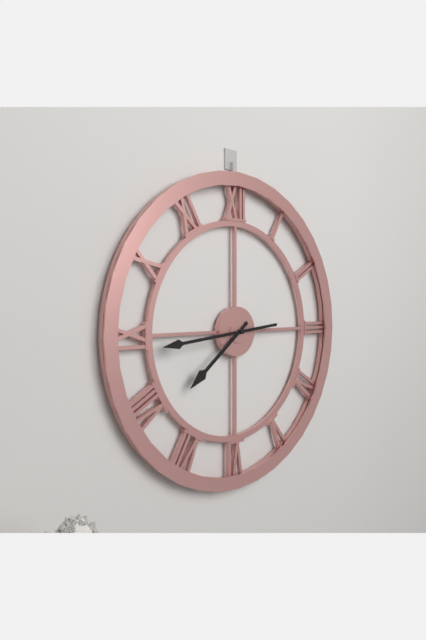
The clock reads 7:44
